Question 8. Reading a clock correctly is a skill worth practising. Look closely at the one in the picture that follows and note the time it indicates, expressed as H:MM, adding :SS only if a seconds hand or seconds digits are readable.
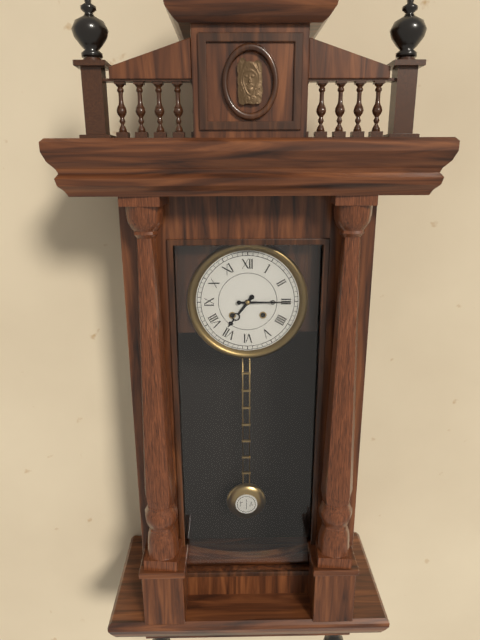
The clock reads 7:15
